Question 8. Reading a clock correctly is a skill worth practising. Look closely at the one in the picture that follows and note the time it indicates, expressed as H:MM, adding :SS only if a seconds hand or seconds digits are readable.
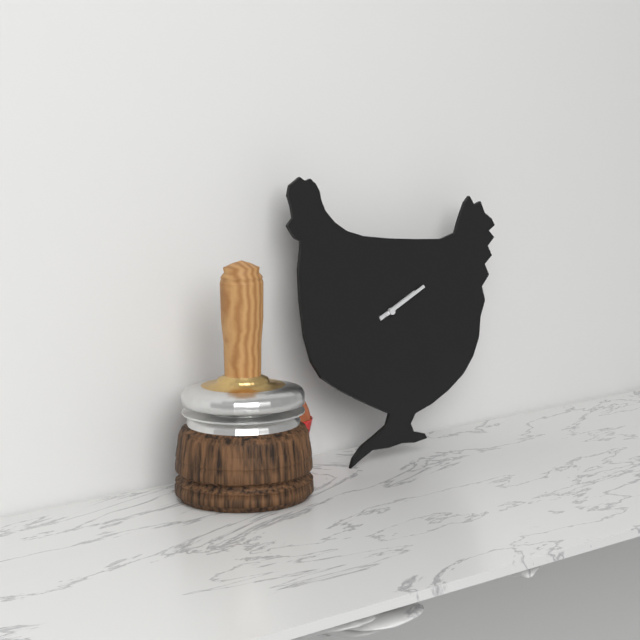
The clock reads 2:11
